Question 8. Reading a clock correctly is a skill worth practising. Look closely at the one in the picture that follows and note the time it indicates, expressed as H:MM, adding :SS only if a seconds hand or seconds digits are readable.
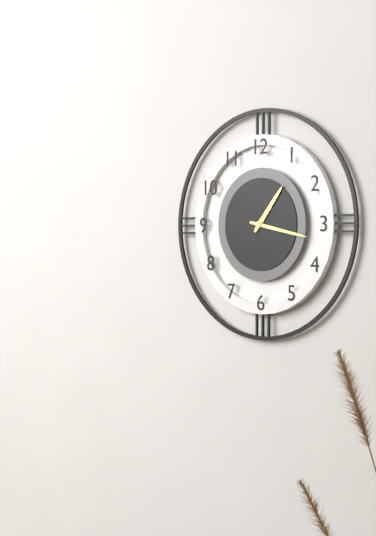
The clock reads 1:17
